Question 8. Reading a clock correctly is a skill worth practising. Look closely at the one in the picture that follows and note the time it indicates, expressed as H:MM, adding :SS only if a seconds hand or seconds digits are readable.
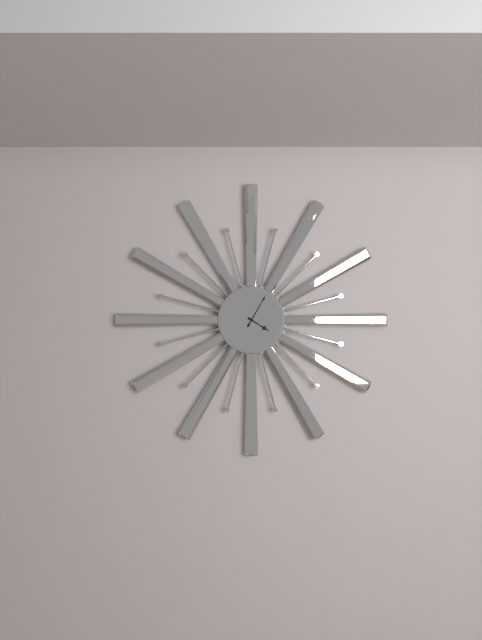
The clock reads 4:05
